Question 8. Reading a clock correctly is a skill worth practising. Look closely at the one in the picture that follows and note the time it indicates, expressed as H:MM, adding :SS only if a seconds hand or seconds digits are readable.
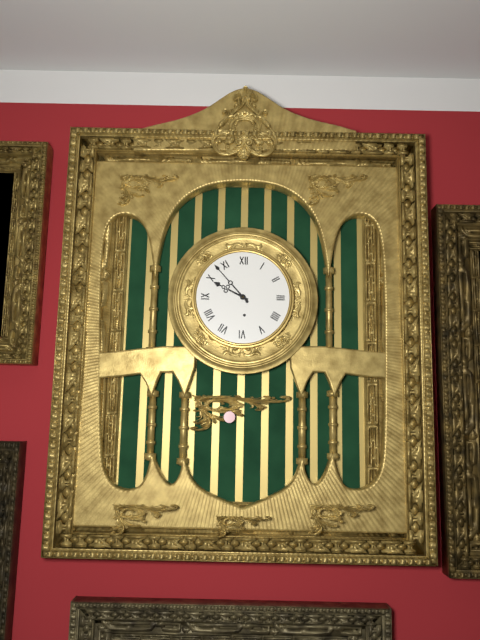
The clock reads 9:53
